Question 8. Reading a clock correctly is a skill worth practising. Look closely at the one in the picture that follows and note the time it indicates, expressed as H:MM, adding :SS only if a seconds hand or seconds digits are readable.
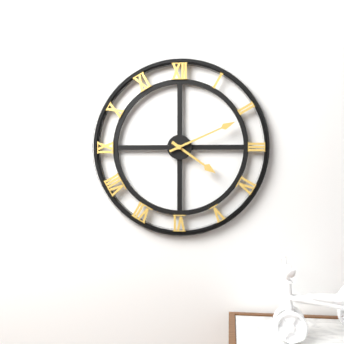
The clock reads 4:11
